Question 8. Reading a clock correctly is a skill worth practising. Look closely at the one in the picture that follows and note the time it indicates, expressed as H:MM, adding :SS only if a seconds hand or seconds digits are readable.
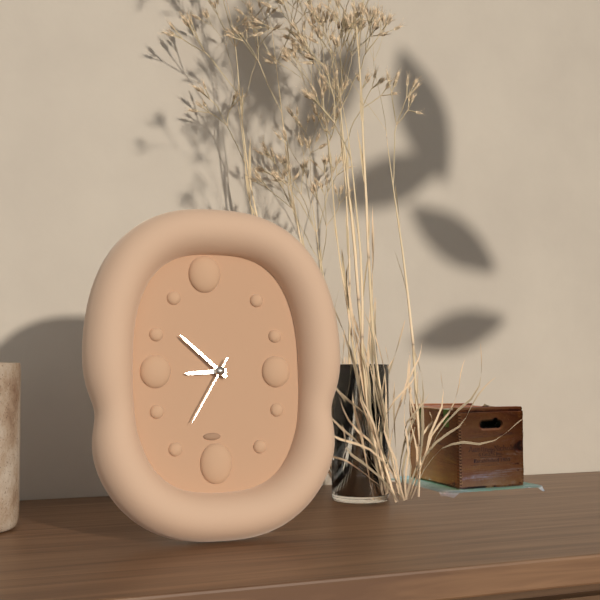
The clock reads 8:52:35
